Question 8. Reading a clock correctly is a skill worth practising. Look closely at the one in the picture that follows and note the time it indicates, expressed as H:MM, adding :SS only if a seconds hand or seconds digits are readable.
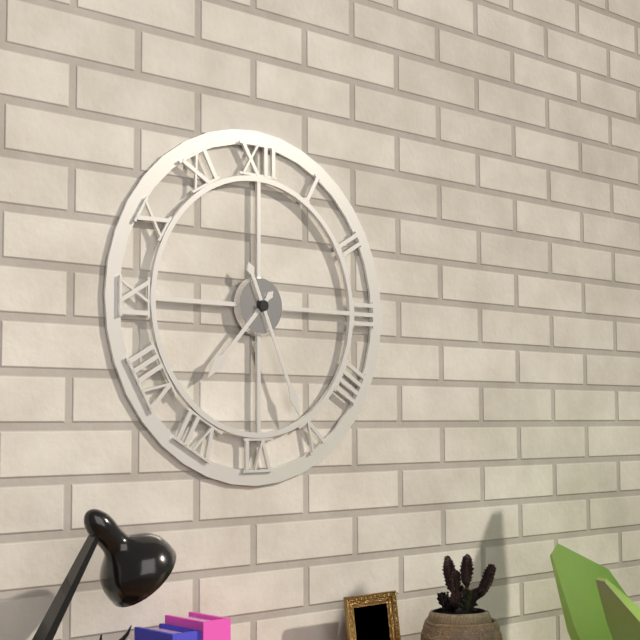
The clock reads 7:26
